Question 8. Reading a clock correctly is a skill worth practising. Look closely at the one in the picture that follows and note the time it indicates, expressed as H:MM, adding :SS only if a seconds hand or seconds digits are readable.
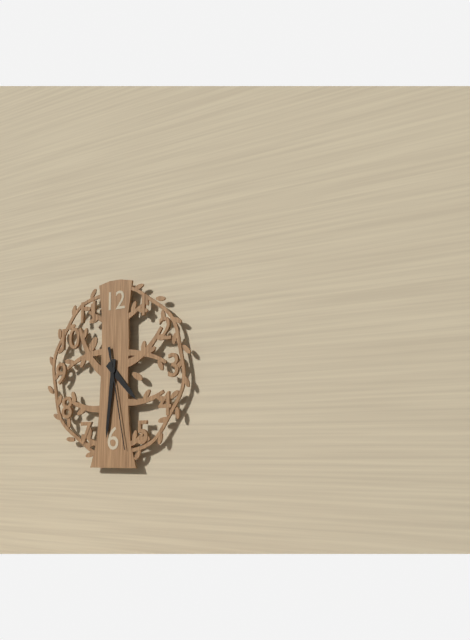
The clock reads 4:31:28
